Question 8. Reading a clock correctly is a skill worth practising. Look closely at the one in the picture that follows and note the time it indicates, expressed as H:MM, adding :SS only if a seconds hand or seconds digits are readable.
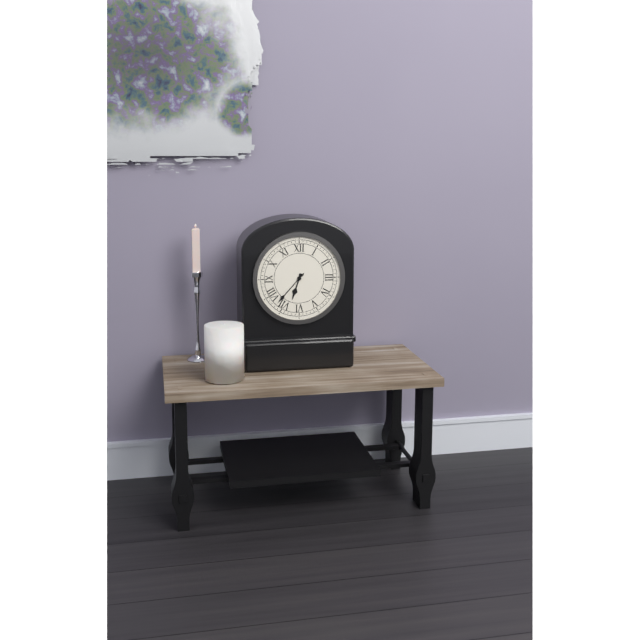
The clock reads 6:37
